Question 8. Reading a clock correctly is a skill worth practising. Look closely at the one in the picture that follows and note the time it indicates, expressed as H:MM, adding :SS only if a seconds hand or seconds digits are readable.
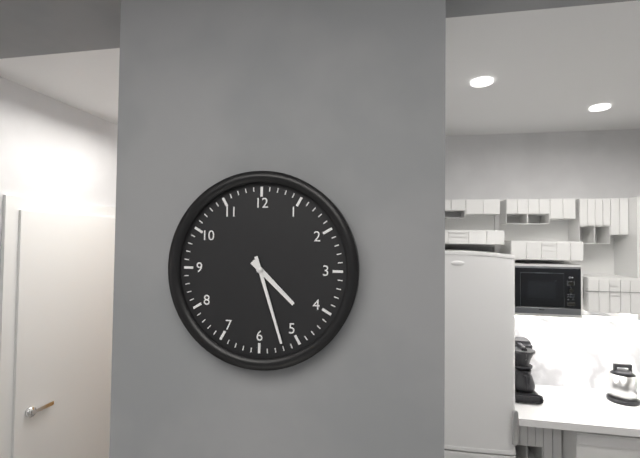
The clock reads 4:27
